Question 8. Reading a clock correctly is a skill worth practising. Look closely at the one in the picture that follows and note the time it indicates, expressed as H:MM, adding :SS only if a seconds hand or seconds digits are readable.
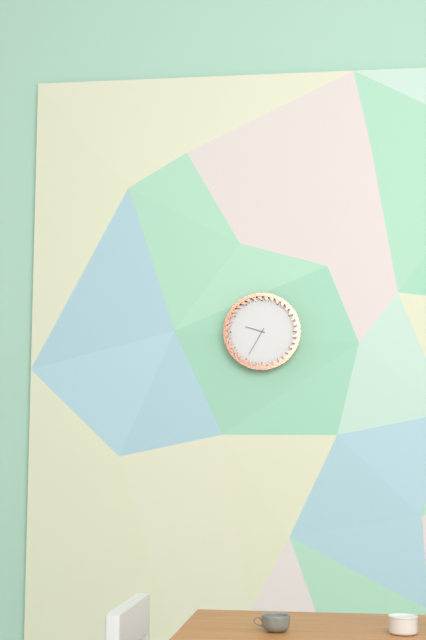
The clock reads 9:35
